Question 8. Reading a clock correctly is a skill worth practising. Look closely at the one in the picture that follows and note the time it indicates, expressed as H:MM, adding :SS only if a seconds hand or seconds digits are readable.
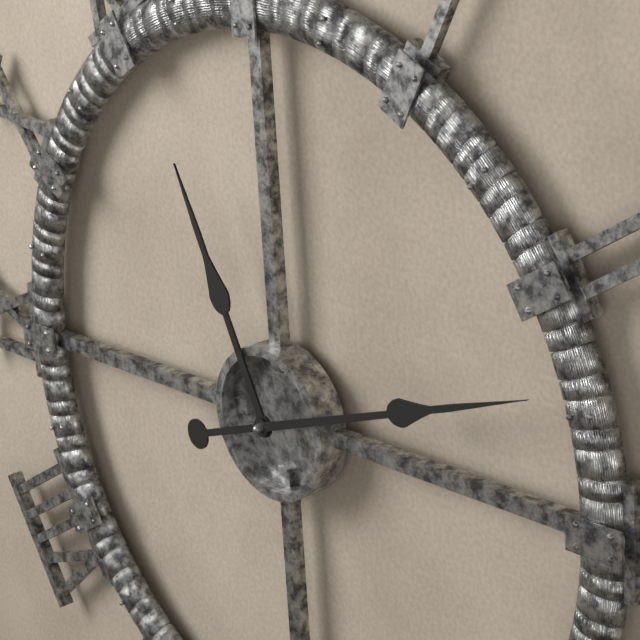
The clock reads 11:12
